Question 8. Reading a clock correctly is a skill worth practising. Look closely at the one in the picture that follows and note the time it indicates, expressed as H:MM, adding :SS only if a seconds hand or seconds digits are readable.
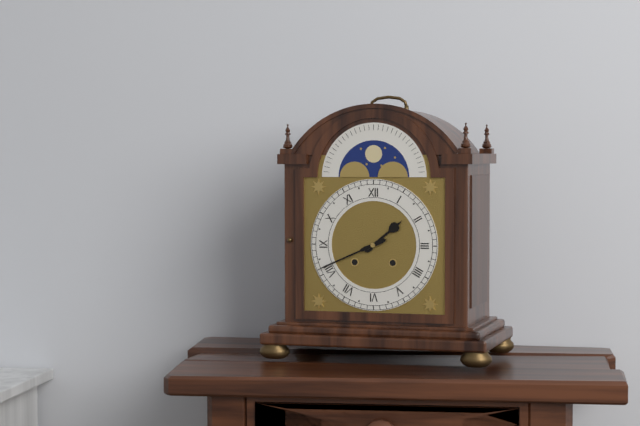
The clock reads 1:41
